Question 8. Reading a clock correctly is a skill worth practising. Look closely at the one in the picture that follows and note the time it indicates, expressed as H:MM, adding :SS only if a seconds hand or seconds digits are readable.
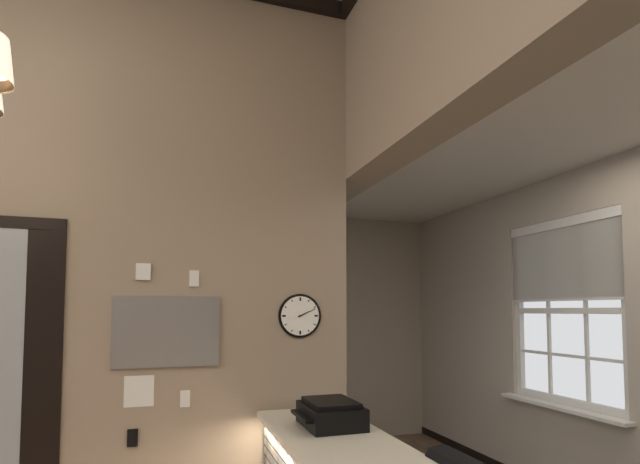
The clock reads 2:11
